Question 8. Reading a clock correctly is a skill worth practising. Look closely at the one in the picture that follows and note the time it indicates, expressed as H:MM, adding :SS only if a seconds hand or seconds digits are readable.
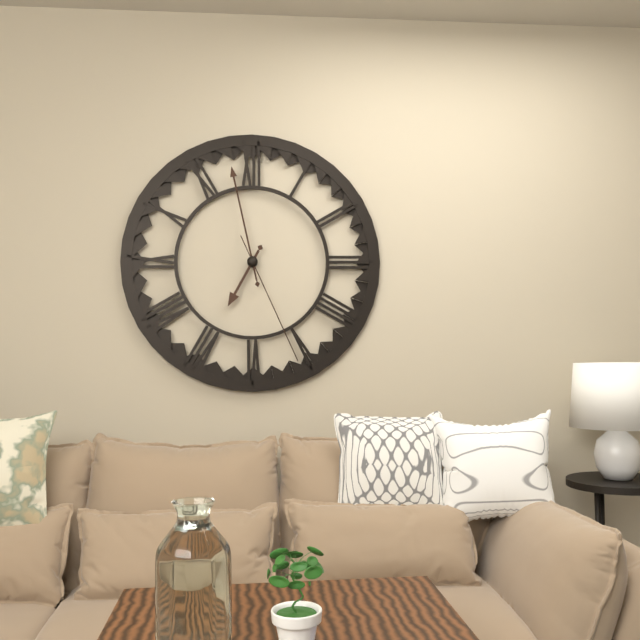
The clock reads 6:58:26
